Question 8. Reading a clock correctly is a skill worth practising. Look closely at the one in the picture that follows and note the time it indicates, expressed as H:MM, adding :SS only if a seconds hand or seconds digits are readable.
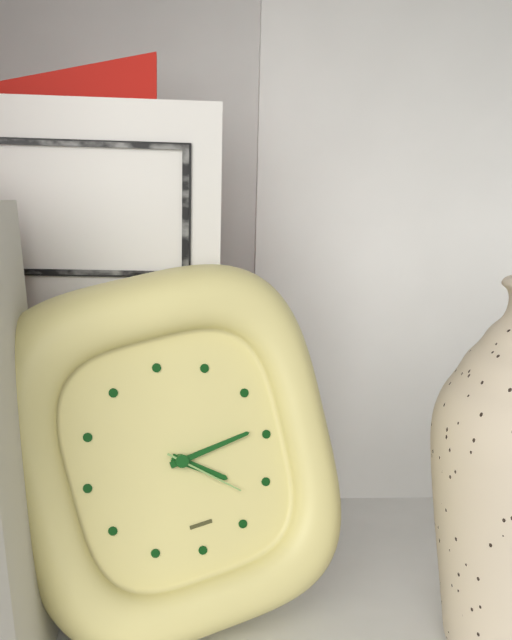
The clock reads 4:14:22
